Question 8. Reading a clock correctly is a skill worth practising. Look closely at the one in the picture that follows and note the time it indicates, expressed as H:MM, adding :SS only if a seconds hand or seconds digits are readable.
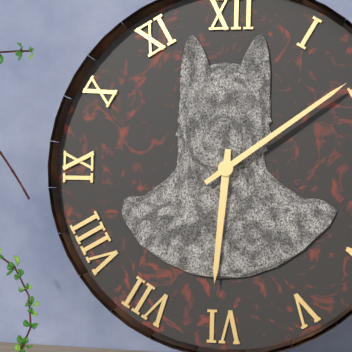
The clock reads 6:09
